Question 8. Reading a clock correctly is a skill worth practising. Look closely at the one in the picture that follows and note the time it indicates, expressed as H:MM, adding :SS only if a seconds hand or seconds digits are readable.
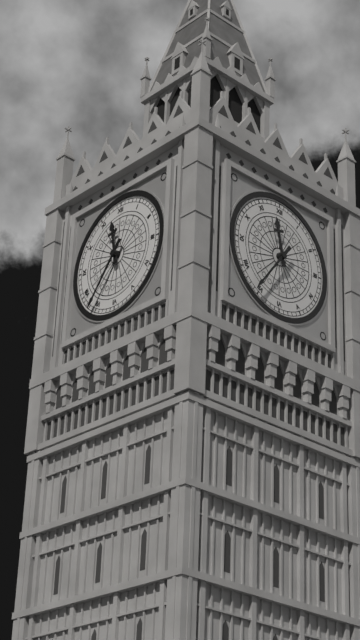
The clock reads 11:36
